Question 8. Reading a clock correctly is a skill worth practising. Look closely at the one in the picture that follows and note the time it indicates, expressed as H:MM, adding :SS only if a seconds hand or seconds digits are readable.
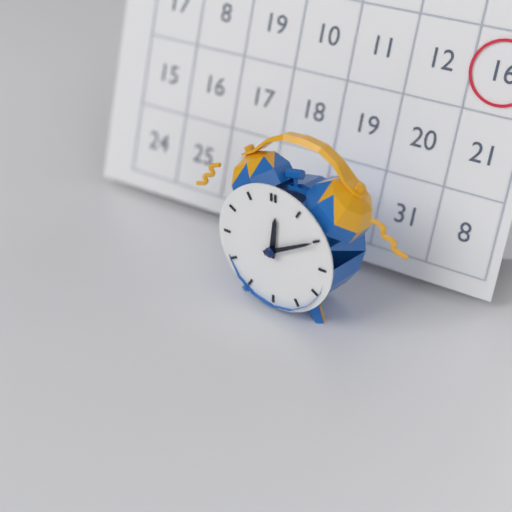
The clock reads 12:10
